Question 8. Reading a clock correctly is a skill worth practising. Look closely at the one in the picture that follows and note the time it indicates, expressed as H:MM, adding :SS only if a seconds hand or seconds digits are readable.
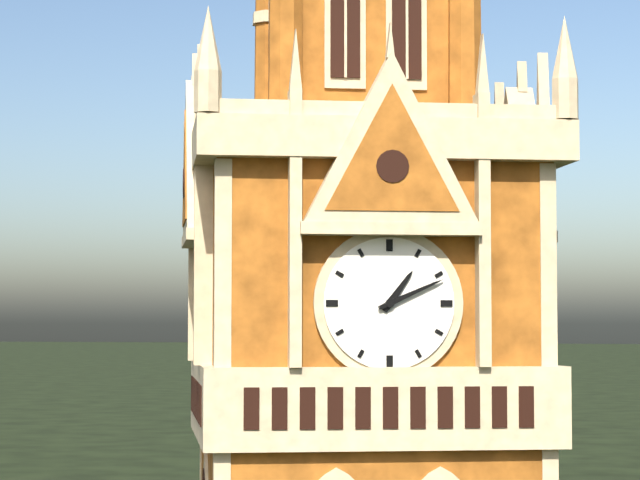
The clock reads 1:11
